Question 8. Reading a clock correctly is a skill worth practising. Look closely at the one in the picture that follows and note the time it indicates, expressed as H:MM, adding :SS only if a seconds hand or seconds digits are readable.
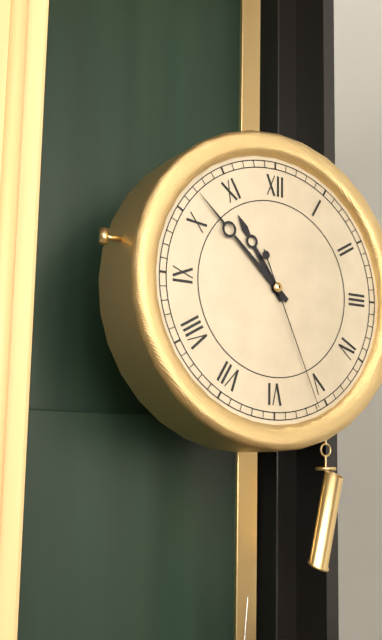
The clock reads 10:52:26
